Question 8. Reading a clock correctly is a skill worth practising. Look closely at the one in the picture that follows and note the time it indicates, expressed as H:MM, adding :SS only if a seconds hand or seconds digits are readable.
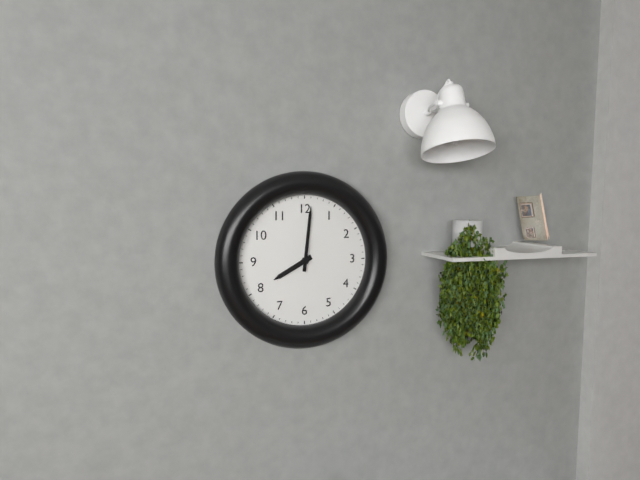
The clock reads 8:01
